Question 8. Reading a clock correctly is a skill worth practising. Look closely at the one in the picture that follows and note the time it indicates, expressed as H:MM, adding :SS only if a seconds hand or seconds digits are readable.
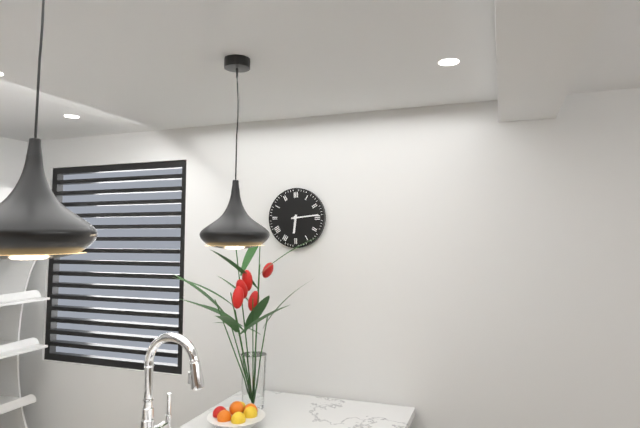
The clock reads 6:14
